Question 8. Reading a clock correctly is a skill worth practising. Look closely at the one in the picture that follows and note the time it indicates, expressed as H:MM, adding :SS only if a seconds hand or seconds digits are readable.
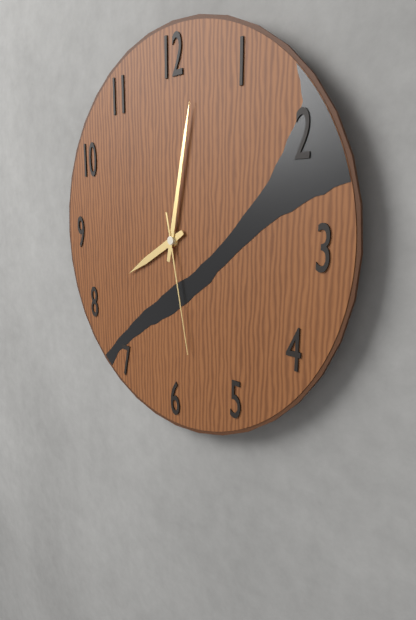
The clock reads 8:02:28
